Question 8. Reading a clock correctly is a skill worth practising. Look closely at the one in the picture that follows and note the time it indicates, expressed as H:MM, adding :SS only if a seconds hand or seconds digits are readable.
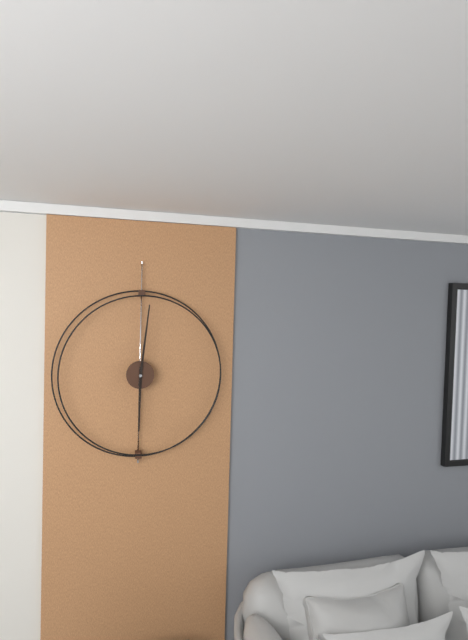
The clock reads 6:01
